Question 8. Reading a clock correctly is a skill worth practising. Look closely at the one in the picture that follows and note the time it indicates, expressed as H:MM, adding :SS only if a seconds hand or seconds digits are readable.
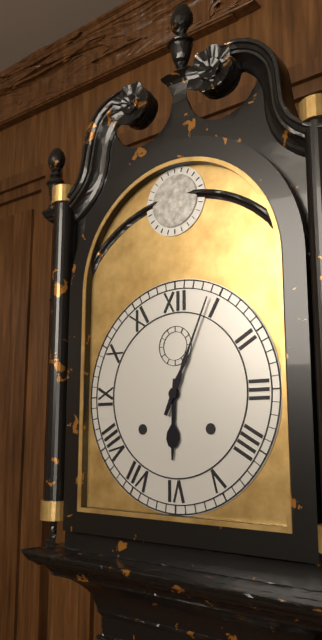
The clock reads 6:04
